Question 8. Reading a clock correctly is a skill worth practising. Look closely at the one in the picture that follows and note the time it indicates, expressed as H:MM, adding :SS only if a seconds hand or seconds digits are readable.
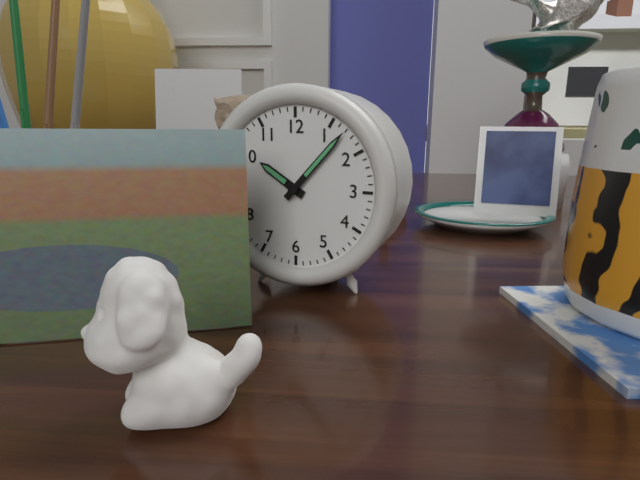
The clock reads 10:07
